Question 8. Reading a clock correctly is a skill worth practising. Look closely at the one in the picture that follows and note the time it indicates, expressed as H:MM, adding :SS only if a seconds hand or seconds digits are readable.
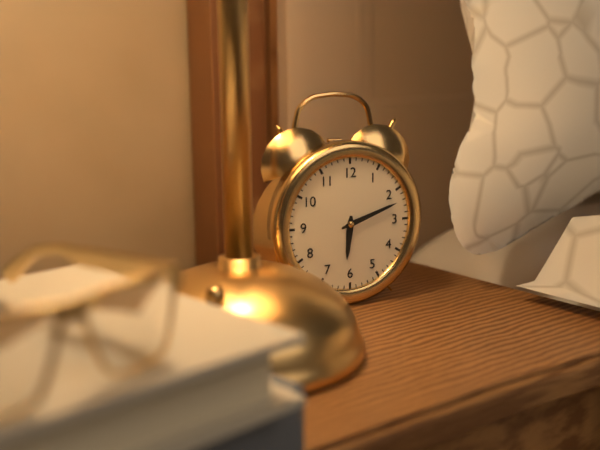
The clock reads 6:12
